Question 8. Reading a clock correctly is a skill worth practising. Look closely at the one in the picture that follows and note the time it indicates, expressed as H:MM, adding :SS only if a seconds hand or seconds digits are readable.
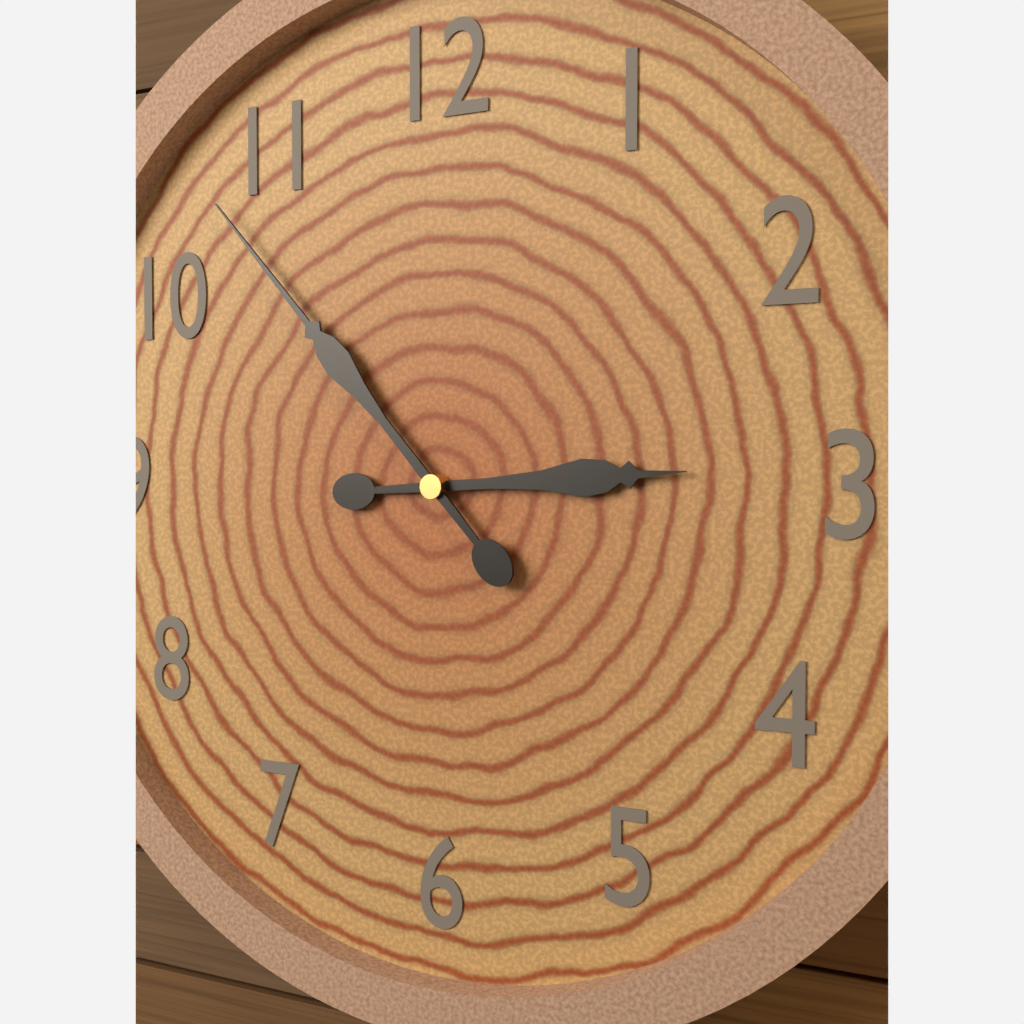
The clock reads 2:53
